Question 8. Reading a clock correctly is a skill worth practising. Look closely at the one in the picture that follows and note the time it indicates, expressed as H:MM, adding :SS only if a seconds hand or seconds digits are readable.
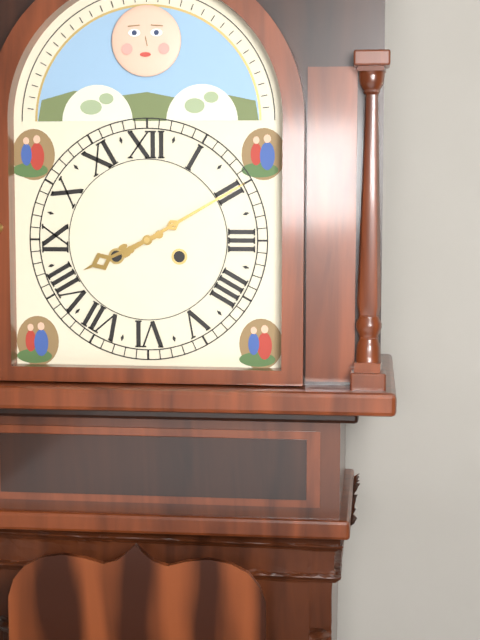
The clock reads 8:10
